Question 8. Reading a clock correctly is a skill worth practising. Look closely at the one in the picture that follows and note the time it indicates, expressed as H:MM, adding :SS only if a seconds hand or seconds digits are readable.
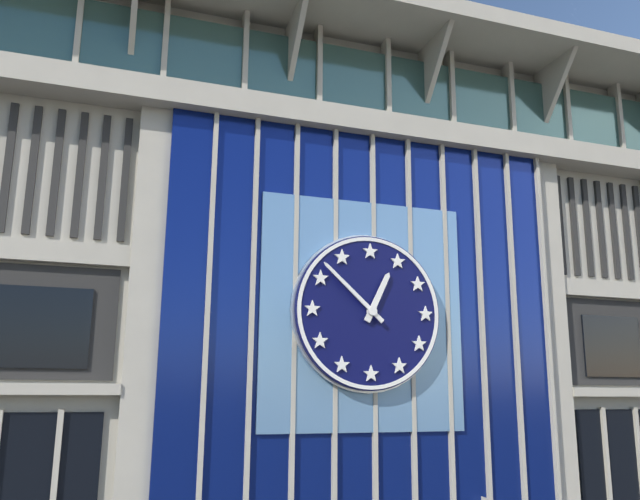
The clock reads 12:52
